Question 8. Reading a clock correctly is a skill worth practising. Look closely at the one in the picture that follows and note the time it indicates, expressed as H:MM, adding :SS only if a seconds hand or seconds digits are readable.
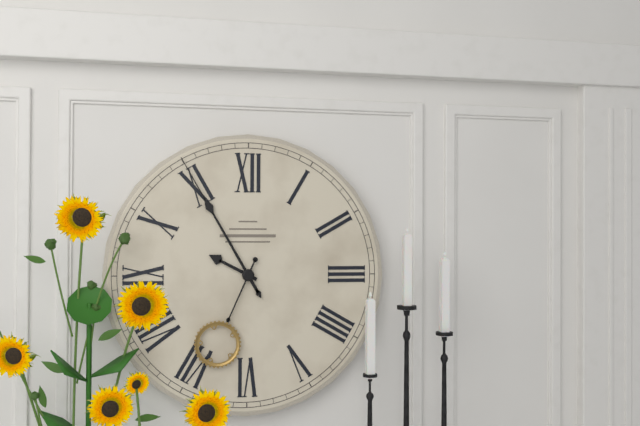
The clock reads 9:55:34
